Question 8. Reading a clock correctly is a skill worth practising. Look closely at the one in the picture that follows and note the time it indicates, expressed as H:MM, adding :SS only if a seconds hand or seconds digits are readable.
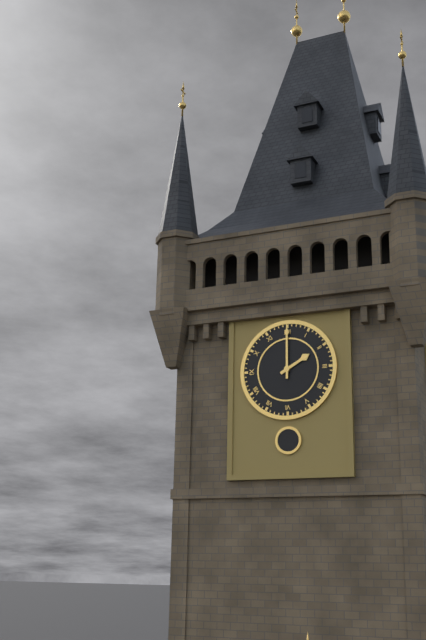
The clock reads 2:00
